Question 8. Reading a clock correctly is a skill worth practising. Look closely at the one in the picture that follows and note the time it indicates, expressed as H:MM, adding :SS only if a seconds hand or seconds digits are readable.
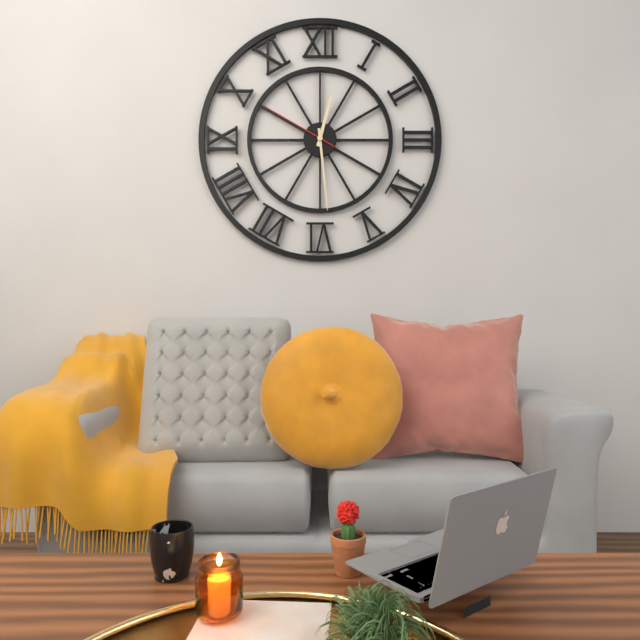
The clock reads 12:29:50
